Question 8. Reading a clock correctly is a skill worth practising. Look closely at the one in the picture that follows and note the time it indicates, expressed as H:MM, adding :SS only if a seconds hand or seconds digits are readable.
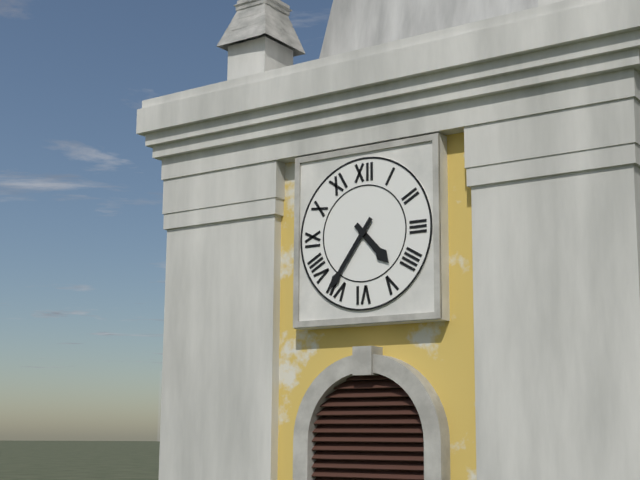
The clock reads 4:36
